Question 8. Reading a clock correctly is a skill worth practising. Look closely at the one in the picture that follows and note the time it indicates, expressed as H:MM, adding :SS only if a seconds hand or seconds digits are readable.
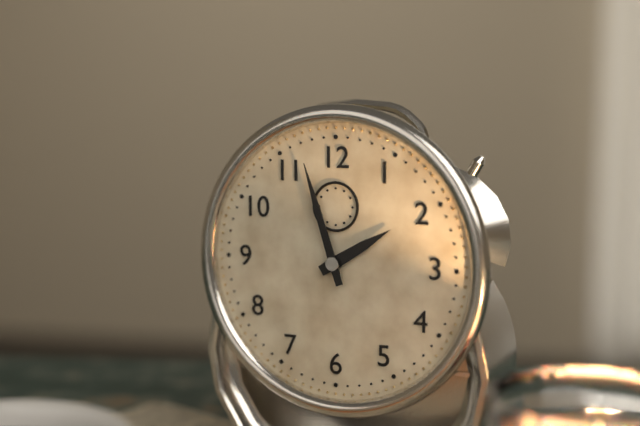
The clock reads 1:57
